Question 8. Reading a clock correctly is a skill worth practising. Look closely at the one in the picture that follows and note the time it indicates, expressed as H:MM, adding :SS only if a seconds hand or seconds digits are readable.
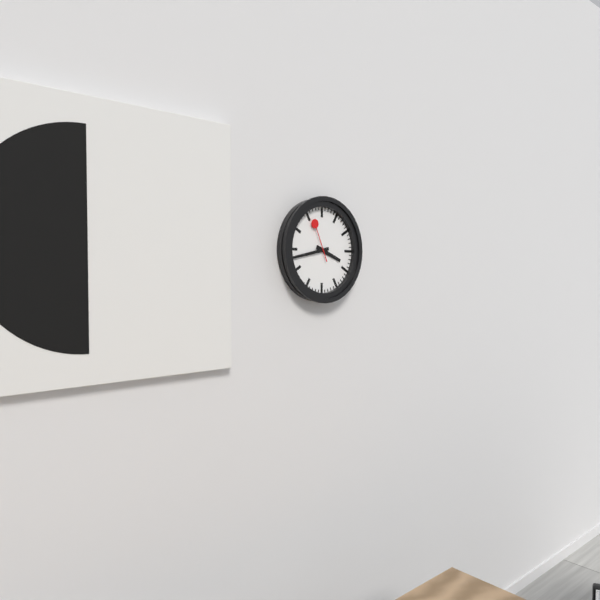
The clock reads 3:43
